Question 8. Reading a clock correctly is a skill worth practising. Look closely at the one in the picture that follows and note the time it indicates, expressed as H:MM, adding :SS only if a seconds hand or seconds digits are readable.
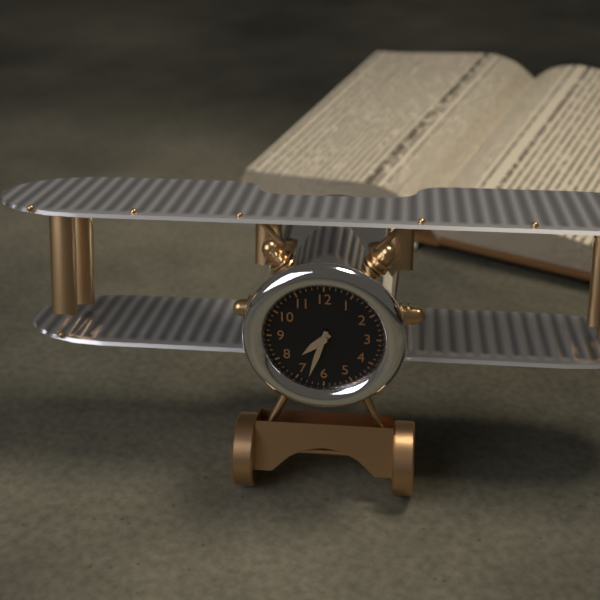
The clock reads 7:33
